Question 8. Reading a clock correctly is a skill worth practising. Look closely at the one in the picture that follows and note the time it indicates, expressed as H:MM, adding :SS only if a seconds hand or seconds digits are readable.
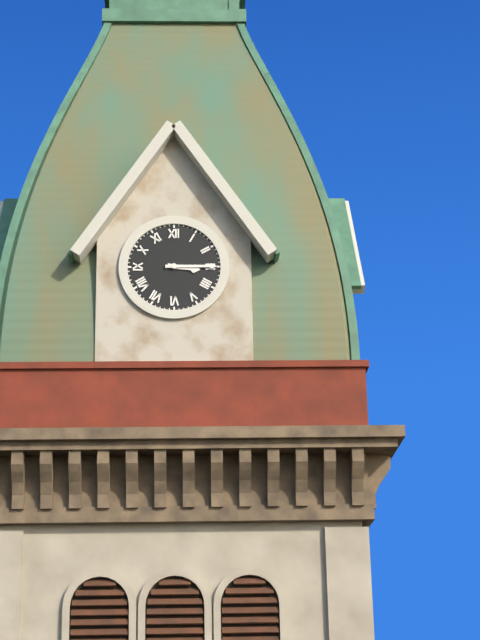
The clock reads 3:15
